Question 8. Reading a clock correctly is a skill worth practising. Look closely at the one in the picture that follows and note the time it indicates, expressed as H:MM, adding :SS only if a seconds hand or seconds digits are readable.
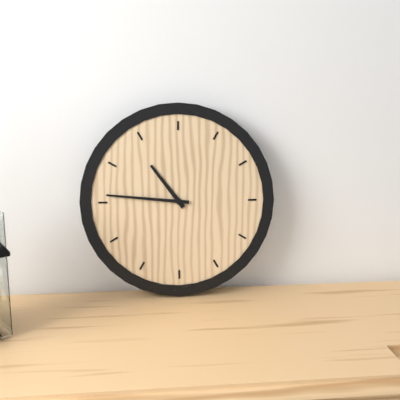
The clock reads 10:46
